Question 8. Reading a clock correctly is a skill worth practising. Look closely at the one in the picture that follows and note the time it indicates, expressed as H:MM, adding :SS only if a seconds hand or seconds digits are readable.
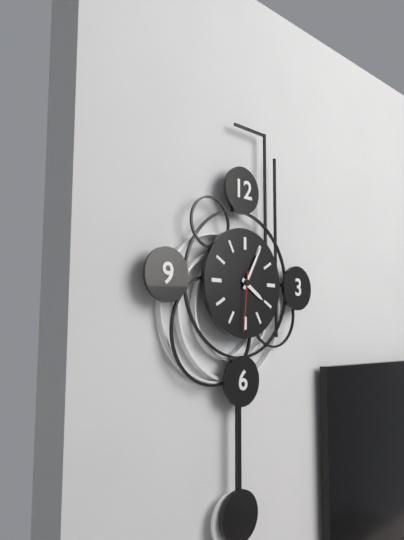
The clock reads 4:05:31
